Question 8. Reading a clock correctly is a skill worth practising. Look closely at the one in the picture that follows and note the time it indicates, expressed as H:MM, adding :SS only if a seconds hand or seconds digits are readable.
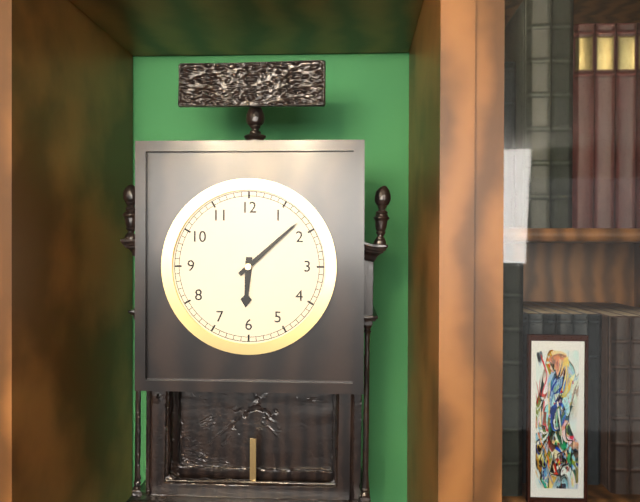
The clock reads 6:08
